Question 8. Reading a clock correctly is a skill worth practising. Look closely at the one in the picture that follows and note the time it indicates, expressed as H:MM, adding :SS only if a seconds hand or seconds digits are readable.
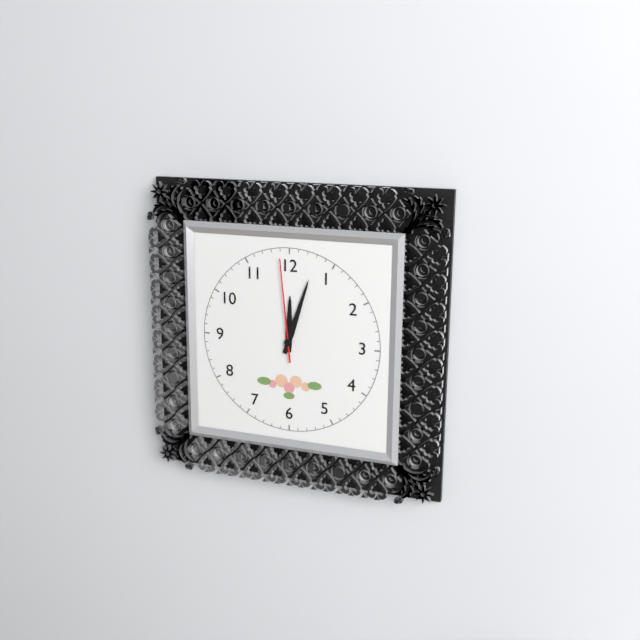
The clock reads 12:03:59
